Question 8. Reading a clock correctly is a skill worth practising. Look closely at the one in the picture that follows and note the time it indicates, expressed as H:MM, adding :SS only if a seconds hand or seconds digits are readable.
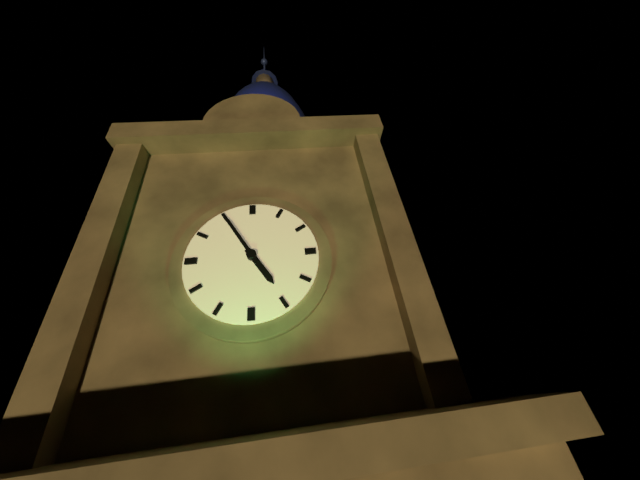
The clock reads 4:55
